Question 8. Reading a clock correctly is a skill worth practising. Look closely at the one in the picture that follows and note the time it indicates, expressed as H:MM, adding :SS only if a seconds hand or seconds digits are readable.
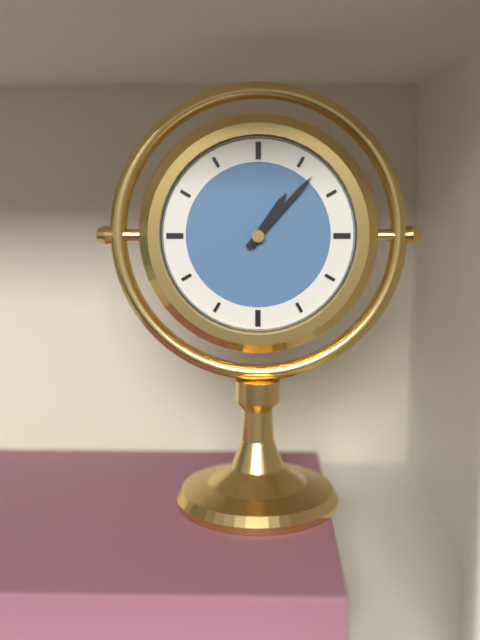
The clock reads 1:07
